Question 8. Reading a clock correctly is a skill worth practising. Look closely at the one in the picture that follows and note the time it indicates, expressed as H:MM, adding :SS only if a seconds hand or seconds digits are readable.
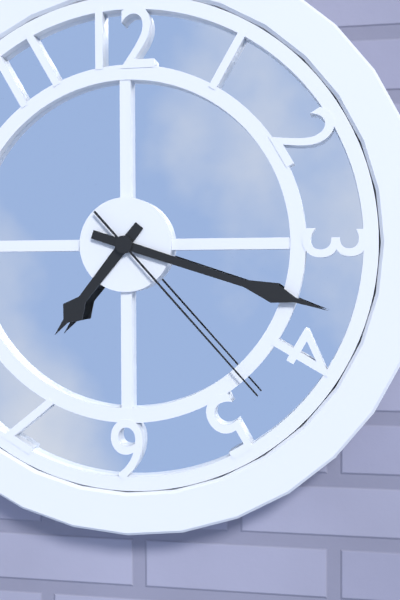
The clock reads 7:18:23
